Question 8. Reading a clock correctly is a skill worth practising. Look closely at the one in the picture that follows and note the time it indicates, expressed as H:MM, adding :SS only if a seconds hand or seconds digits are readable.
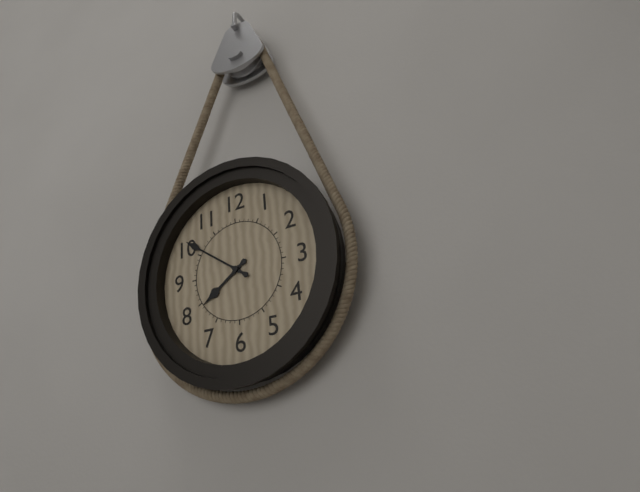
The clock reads 7:51
